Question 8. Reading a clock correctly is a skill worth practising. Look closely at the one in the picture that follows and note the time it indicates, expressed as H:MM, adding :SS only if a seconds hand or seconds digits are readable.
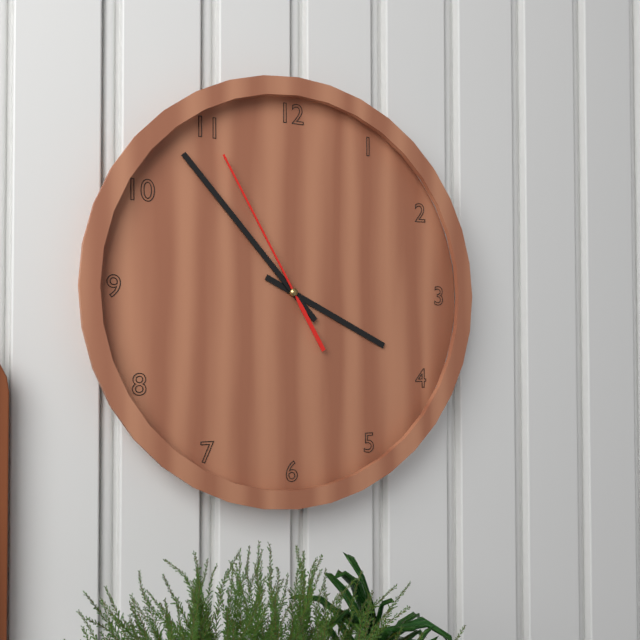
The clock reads 3:53:55
